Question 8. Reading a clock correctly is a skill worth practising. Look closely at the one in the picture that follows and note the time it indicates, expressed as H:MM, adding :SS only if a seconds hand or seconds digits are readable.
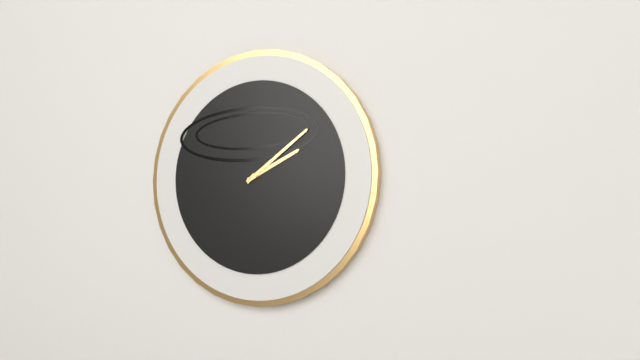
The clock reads 2:09
